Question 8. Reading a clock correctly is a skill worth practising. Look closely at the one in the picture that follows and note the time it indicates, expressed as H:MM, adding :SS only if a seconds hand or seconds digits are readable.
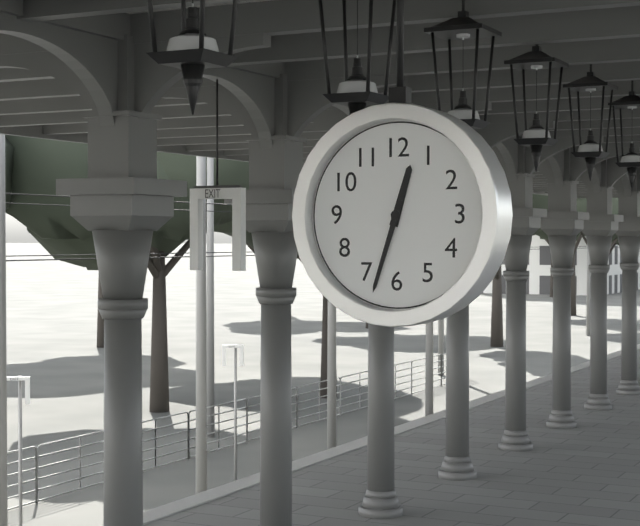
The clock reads 12:33
